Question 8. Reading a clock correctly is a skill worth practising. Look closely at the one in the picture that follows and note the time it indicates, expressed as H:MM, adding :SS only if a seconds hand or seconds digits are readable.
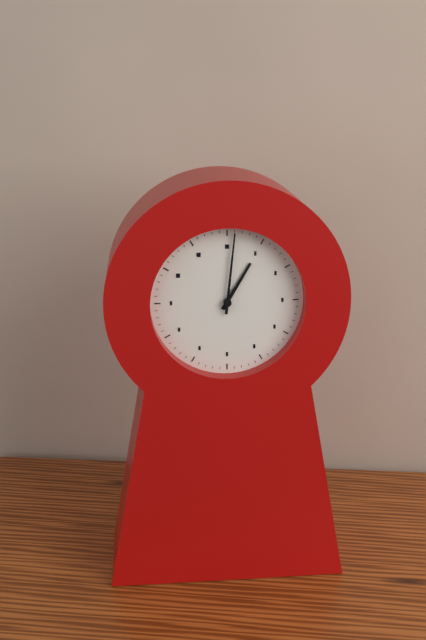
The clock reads 1:01
